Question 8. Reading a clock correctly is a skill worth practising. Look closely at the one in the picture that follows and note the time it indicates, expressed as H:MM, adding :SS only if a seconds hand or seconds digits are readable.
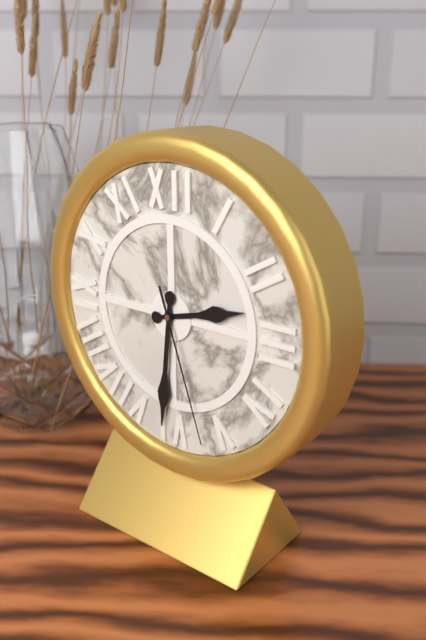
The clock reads 2:31:27
